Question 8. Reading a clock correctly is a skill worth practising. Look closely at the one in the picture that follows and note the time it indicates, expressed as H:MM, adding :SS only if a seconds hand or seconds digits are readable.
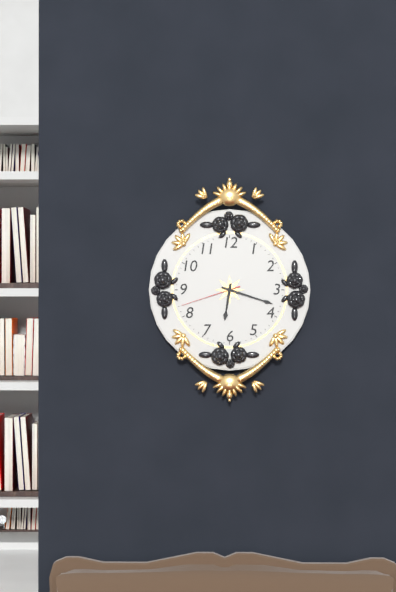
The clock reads 6:18:42
